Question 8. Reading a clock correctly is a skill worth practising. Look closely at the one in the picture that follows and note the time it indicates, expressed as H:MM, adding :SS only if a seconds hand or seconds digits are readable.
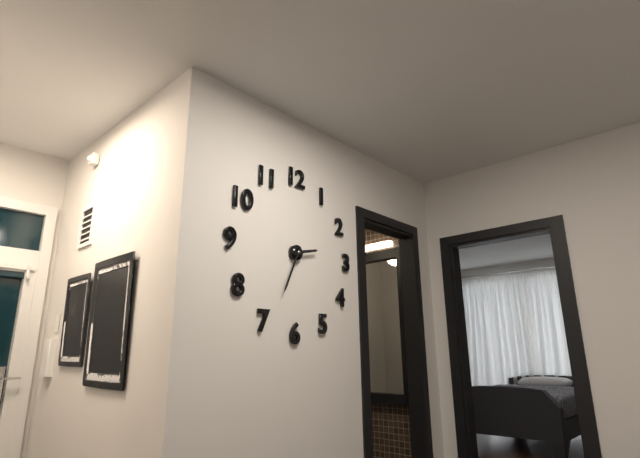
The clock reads 2:34
